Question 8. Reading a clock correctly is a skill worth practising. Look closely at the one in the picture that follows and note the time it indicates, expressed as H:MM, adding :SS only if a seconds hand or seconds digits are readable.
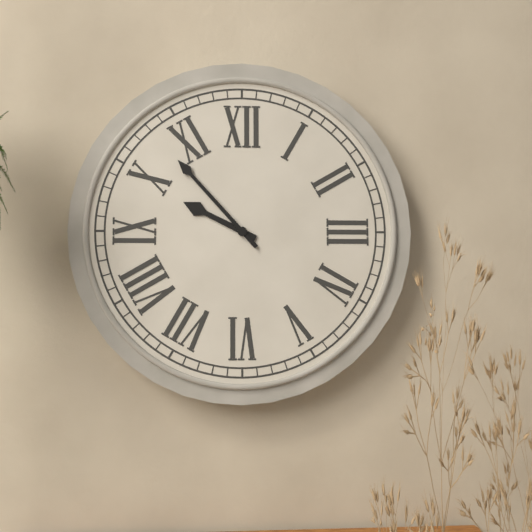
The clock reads 9:53
